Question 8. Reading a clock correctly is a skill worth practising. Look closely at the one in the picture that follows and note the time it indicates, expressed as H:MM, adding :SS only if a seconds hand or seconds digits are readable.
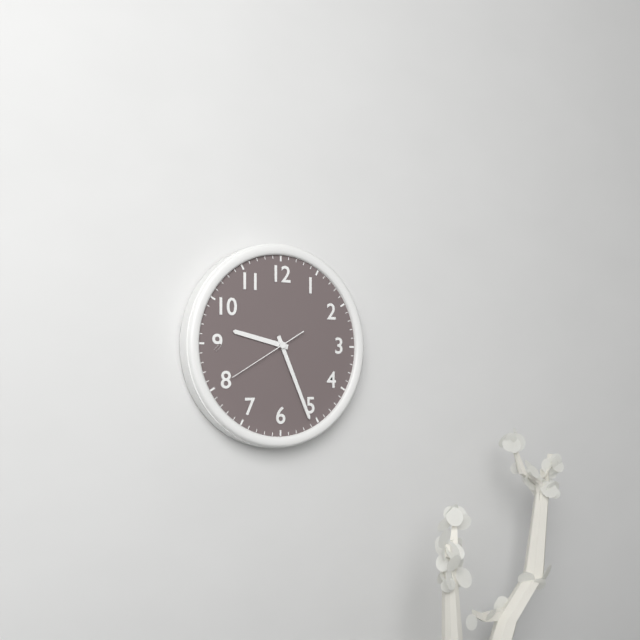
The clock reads 9:26:40
